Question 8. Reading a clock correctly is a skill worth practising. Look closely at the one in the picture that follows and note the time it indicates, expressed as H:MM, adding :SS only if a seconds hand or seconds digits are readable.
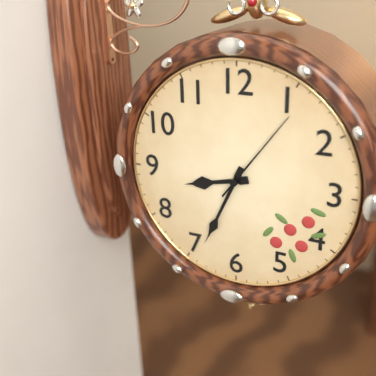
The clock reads 8:34:06
